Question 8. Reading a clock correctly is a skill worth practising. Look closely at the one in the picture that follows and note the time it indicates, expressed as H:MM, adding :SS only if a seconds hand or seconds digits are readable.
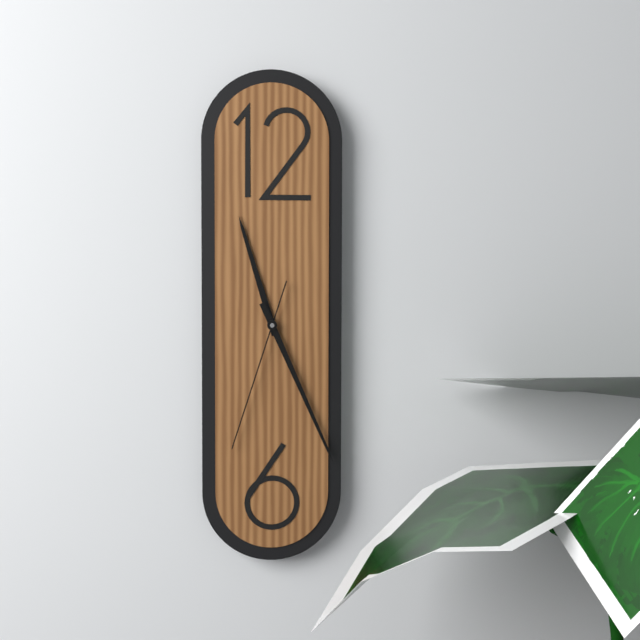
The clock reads 11:26:33
